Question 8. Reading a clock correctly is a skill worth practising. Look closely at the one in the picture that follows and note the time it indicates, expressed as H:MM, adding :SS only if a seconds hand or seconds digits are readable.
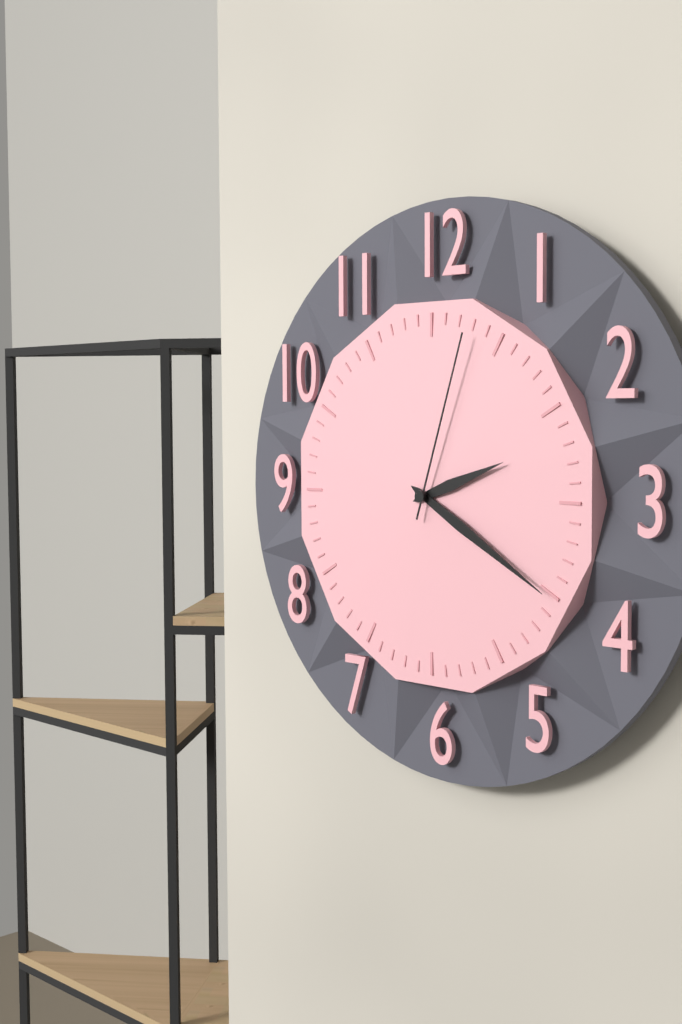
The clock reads 2:20:03
